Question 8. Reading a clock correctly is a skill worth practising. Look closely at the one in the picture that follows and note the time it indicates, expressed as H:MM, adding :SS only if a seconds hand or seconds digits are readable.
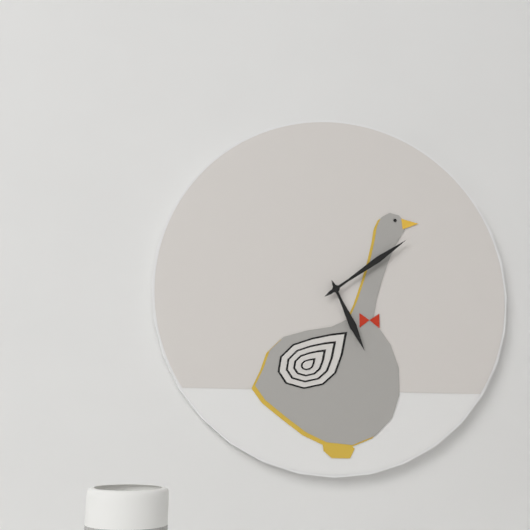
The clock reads 5:09
